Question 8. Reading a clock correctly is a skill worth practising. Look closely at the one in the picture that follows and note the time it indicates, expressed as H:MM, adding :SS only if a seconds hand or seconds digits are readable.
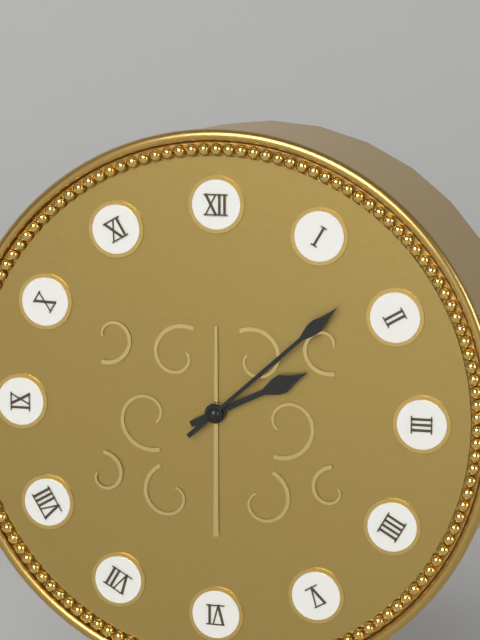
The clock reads 2:08
